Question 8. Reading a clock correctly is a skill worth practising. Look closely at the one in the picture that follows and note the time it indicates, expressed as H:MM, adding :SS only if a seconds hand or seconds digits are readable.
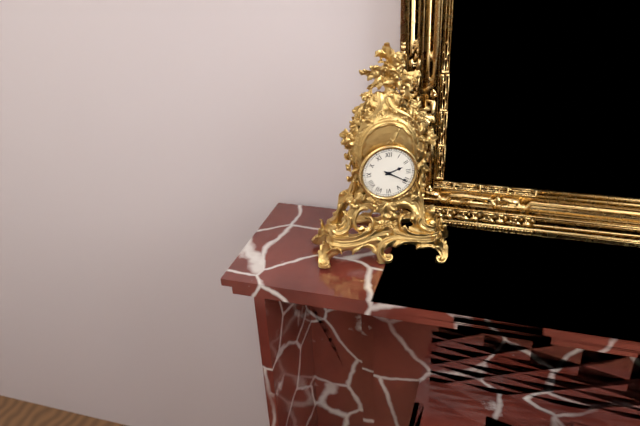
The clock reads 2:20
